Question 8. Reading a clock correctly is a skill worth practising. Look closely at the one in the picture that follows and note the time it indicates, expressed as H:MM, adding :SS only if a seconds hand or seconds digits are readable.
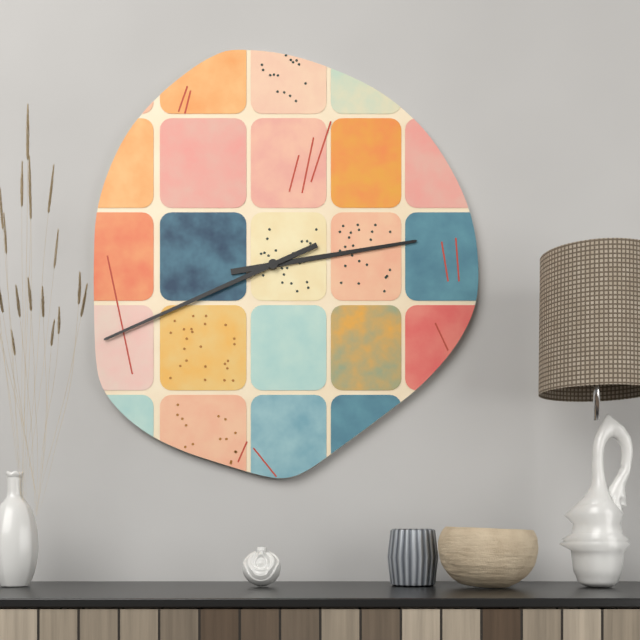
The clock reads 2:41
